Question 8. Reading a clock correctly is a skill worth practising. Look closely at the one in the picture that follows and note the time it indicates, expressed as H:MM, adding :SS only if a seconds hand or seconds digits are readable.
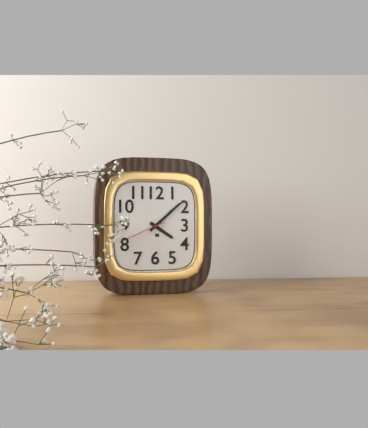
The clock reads 4:08
